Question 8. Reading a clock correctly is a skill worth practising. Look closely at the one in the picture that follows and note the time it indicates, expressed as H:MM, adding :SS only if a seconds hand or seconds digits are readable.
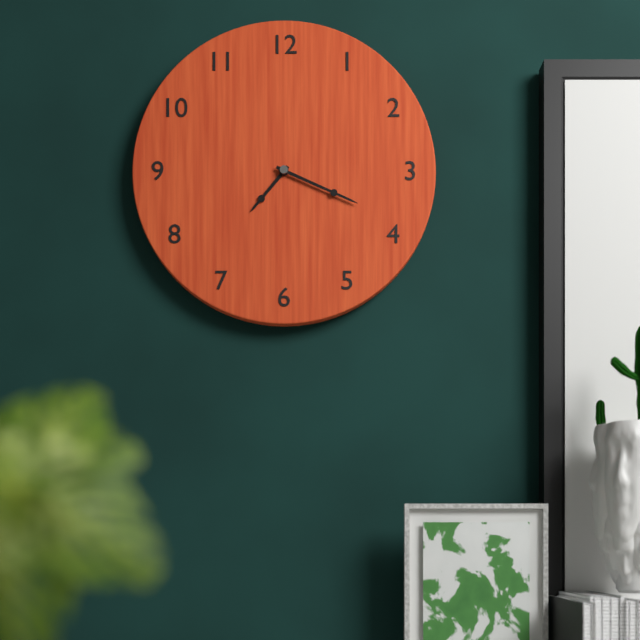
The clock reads 7:19
